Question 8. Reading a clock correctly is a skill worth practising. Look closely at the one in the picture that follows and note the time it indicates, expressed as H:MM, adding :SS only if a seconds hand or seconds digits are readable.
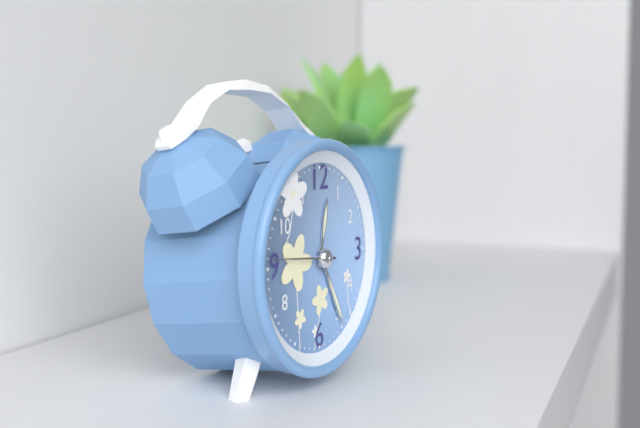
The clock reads 12:25:46
